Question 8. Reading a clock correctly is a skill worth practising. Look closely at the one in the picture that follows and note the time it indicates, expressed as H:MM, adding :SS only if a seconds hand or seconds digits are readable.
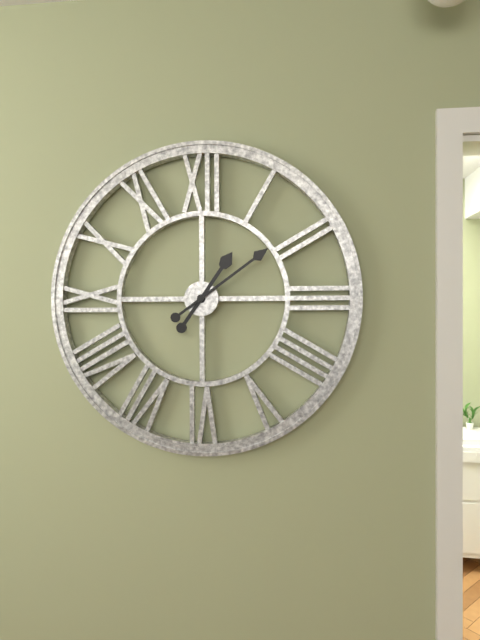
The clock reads 1:09
